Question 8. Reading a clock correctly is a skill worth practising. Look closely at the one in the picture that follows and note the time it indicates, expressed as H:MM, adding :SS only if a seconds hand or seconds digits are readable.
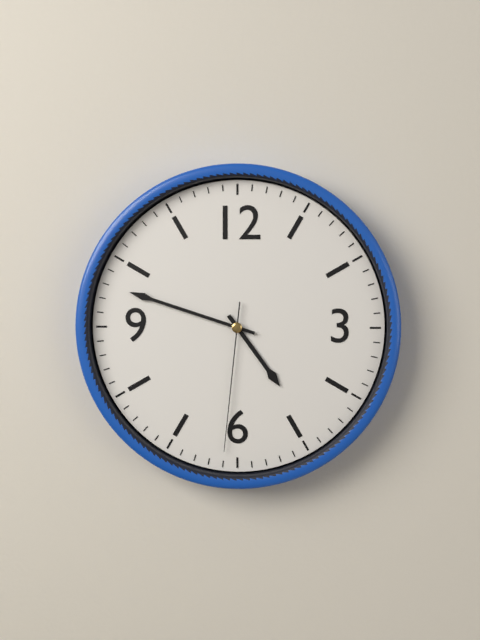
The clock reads 4:48:31
